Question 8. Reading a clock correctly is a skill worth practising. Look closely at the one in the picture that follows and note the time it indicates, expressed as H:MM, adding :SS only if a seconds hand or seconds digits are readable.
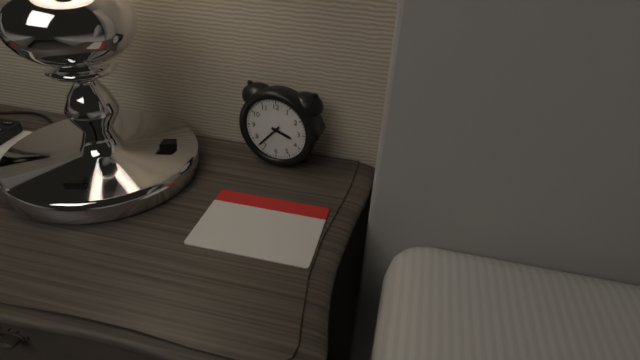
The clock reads 3:37
